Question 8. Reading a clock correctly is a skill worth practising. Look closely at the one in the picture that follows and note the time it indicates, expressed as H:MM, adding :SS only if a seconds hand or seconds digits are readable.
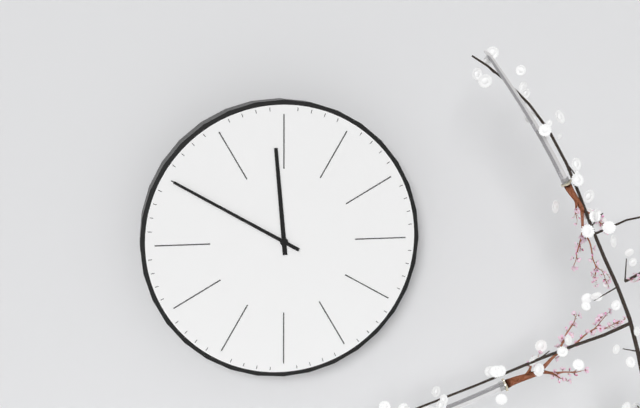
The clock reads 11:50
